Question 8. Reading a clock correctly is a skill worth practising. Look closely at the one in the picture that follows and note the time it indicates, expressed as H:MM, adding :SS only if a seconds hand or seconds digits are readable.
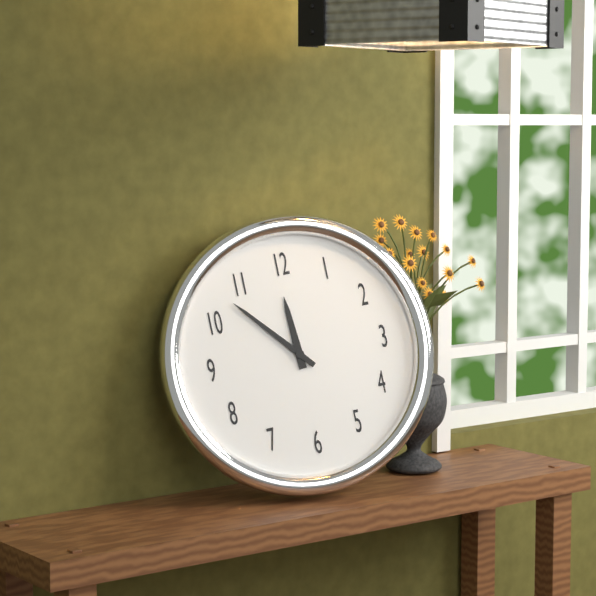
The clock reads 11:53
